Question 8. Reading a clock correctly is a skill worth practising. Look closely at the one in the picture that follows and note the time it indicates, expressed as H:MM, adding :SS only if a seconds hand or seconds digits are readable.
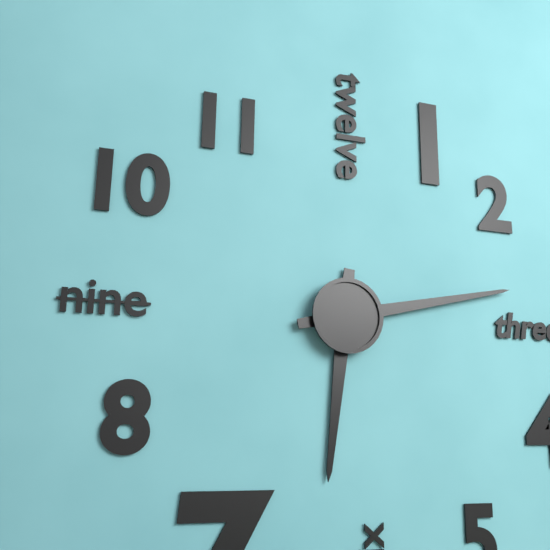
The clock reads 6:13
